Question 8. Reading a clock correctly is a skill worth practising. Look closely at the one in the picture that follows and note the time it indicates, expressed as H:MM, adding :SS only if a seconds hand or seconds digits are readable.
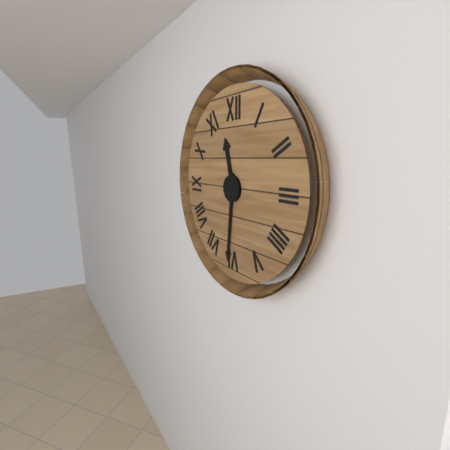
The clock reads 11:31
